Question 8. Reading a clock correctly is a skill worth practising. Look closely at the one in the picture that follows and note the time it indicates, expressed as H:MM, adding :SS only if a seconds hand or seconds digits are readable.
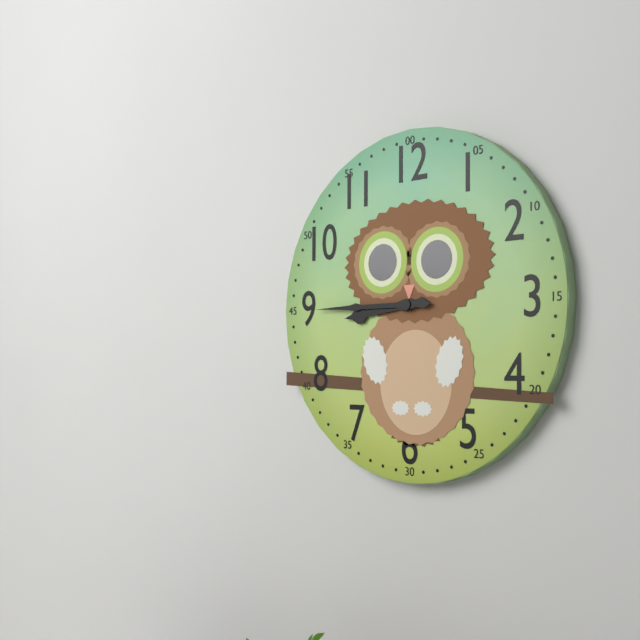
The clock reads 8:45
